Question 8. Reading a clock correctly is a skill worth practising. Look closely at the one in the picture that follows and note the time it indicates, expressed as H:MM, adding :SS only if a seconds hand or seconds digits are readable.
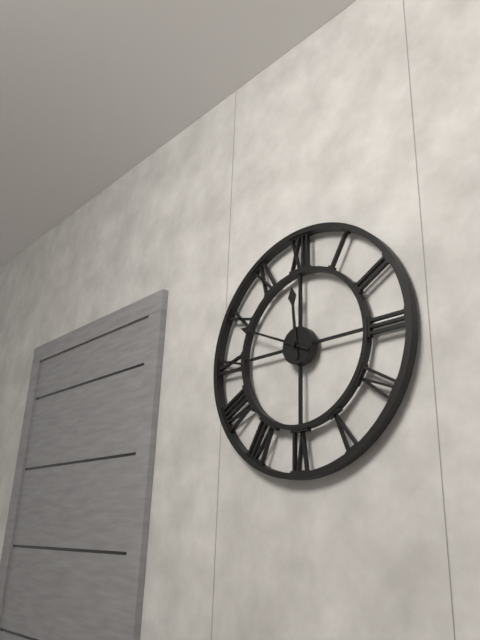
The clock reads 11:49
